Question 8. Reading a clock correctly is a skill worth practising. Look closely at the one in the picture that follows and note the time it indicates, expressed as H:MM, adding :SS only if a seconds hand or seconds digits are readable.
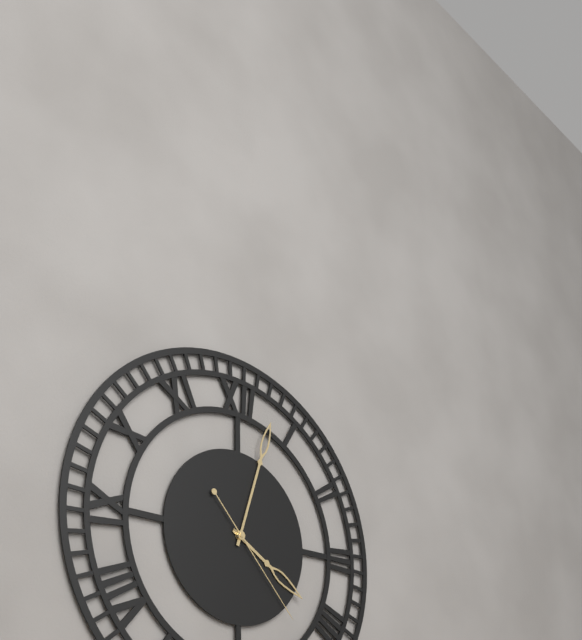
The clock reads 4:03:23
